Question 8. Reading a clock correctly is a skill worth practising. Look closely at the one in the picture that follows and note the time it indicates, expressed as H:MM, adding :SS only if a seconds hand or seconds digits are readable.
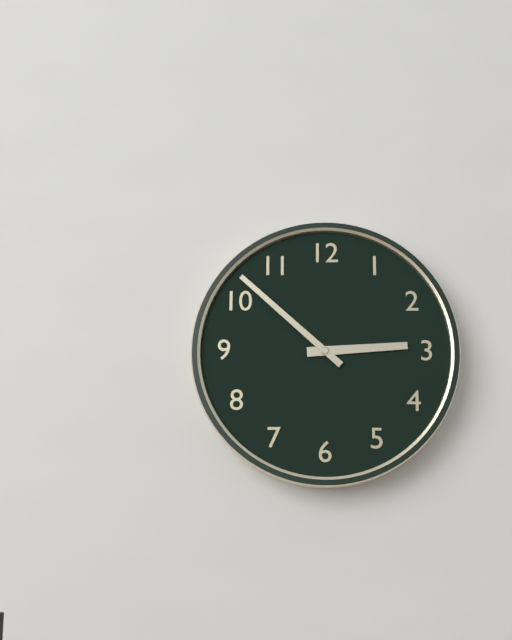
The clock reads 2:52
